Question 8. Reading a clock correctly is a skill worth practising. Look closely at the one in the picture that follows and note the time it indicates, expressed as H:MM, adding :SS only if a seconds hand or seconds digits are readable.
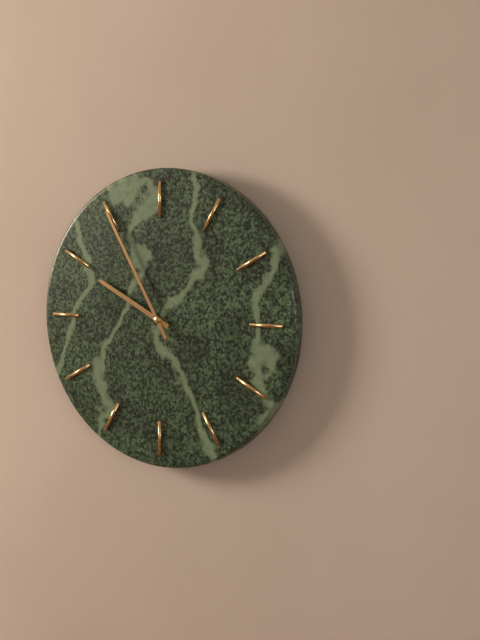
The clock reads 9:55
